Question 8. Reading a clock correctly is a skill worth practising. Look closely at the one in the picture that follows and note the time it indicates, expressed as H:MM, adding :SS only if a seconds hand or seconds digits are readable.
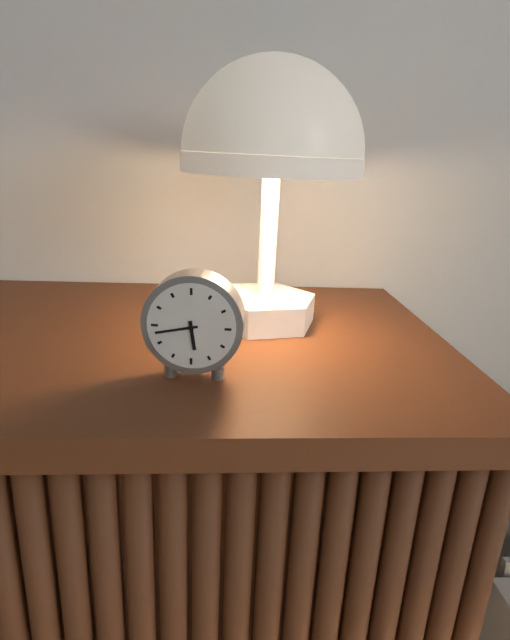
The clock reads 5:43
